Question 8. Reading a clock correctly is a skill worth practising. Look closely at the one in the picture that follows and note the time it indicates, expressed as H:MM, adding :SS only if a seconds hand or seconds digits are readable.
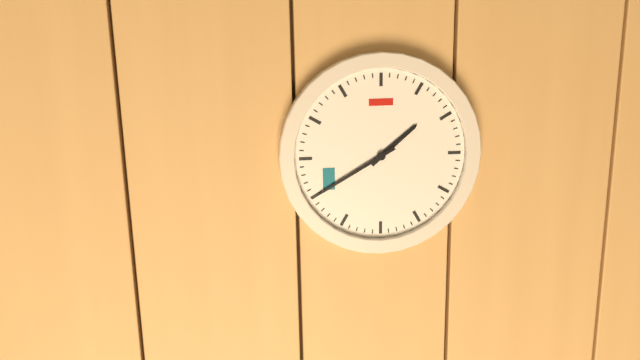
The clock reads 1:40
